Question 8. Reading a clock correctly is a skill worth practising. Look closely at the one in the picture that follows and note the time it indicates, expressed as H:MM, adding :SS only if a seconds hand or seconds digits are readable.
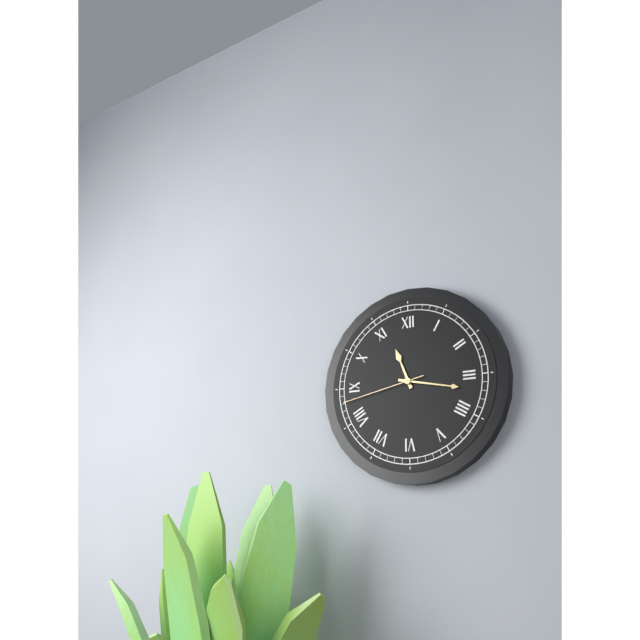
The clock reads 11:17:43
